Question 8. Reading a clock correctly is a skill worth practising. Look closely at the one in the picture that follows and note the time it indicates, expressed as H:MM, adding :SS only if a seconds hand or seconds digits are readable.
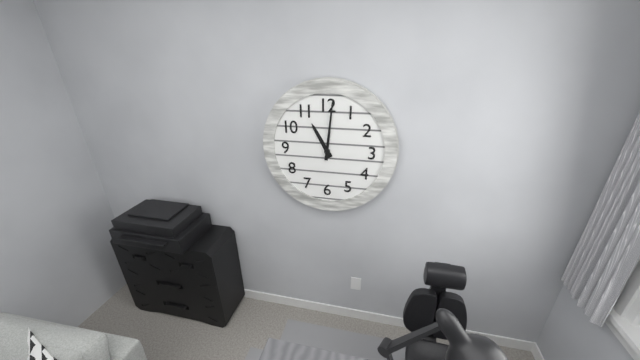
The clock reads 11:01
